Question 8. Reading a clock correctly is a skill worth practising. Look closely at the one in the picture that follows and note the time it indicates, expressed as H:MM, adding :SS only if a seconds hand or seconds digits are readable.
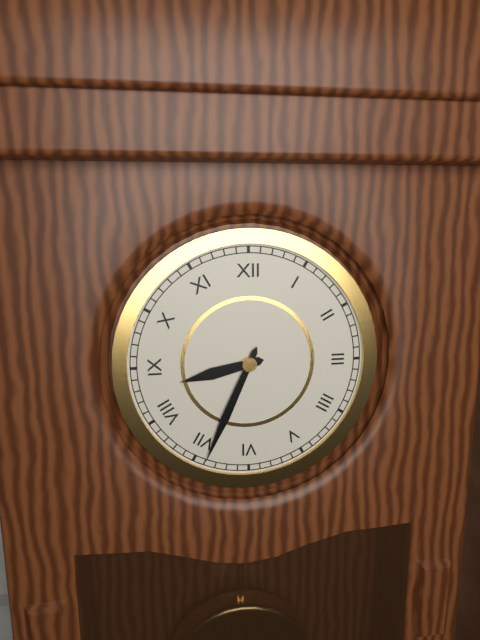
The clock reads 8:34
